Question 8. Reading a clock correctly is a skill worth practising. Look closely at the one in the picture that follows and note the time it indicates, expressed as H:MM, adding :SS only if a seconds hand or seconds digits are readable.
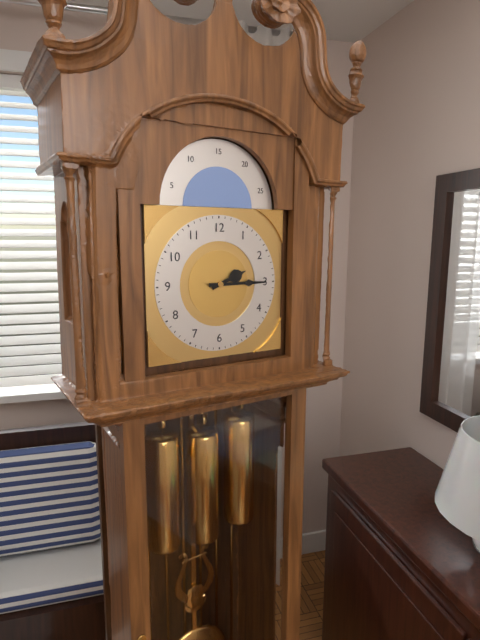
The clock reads 2:15
